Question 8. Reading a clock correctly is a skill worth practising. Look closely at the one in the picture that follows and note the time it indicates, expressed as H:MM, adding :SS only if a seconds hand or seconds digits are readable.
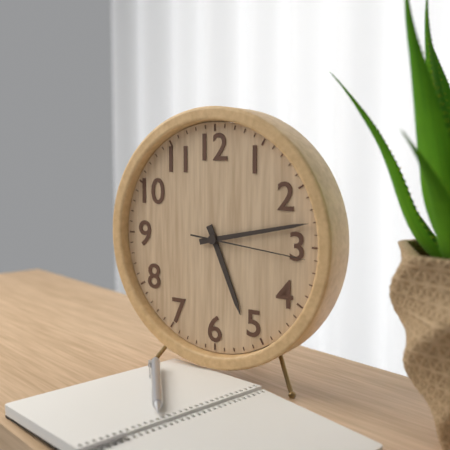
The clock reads 5:13:16
